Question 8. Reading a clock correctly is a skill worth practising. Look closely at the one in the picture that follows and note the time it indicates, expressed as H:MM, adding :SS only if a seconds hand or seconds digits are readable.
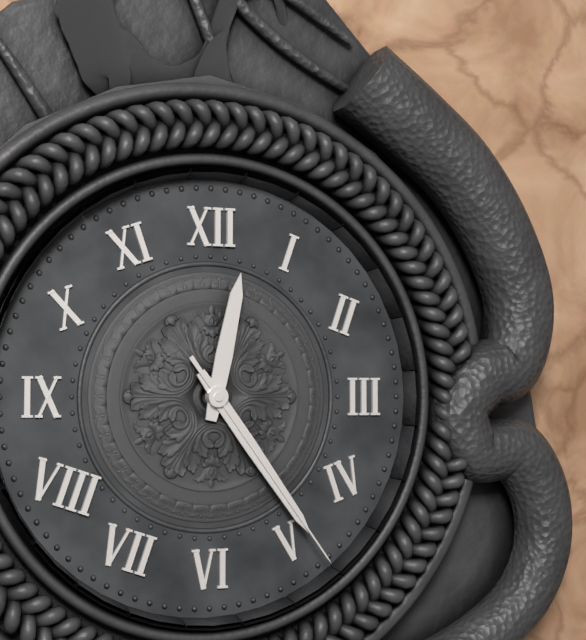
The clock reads 12:24:24
